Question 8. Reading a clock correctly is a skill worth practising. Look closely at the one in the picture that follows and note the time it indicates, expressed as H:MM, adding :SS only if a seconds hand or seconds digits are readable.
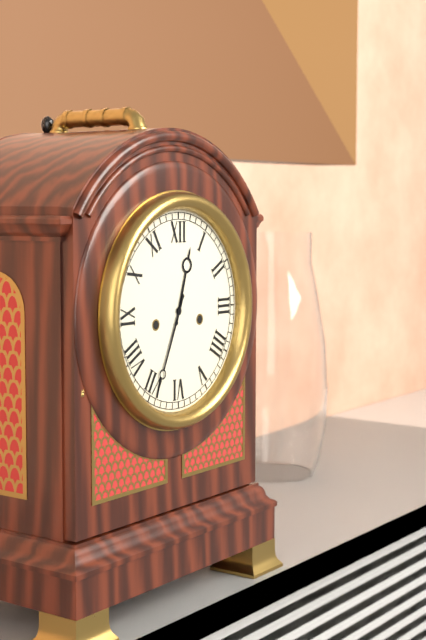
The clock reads 12:34
